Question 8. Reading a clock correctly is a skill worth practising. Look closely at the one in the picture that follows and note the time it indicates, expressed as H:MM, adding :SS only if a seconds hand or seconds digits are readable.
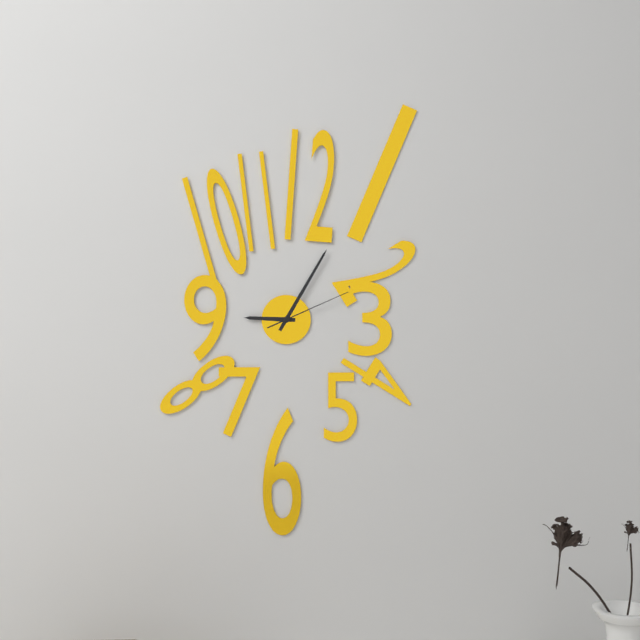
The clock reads 9:05:11
